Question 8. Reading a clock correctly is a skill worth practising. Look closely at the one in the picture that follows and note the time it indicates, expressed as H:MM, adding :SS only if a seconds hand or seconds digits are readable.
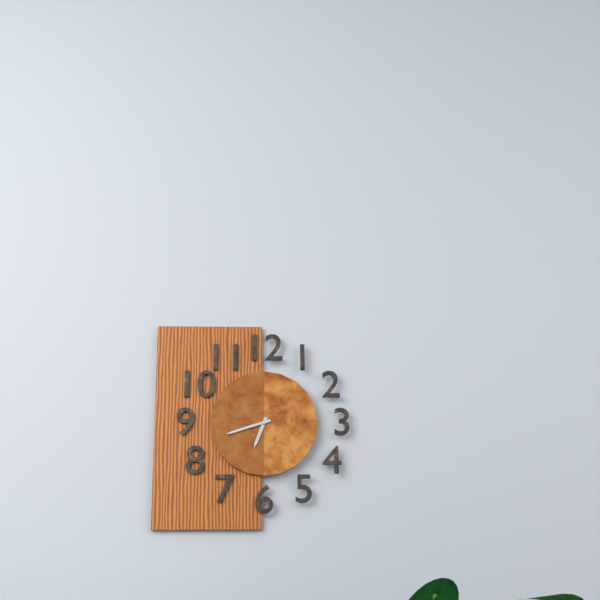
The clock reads 6:42
